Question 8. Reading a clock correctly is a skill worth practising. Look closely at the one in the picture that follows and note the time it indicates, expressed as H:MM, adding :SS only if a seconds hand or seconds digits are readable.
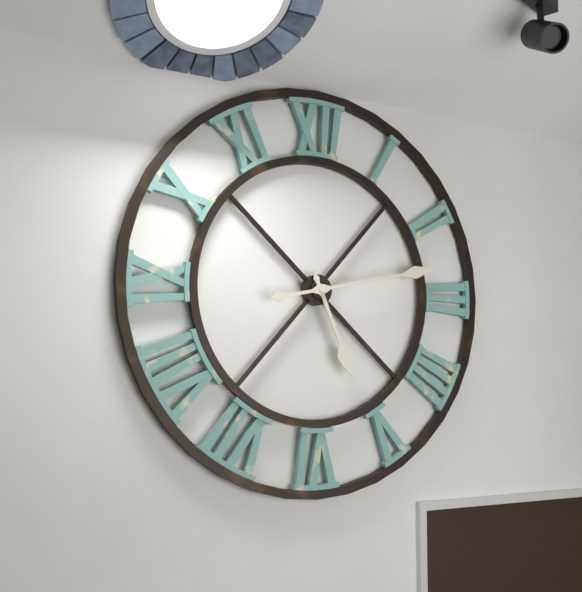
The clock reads 5:13
